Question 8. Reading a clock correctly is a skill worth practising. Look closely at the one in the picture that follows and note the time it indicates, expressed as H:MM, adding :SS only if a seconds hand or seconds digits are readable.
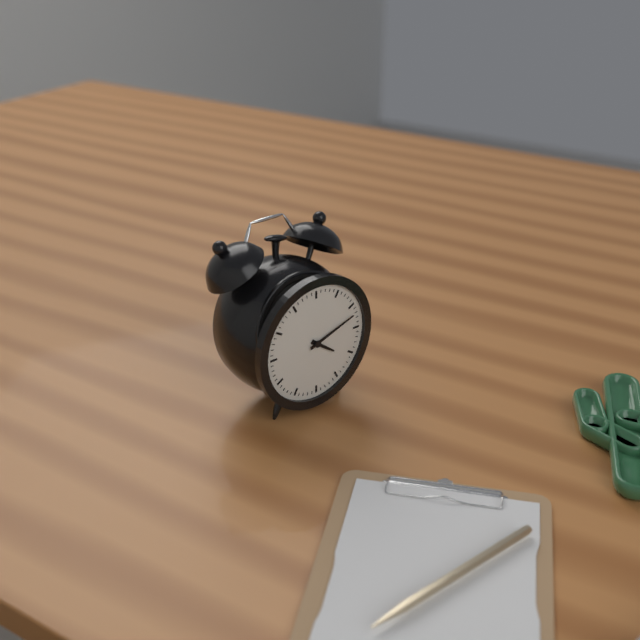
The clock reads 4:12
